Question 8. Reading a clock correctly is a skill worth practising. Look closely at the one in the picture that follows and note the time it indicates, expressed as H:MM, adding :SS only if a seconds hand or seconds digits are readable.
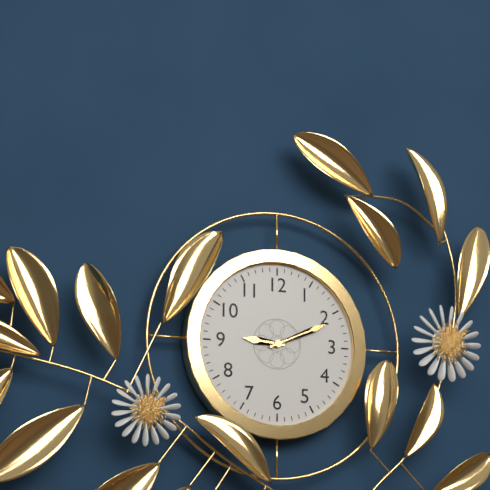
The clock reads 9:11
